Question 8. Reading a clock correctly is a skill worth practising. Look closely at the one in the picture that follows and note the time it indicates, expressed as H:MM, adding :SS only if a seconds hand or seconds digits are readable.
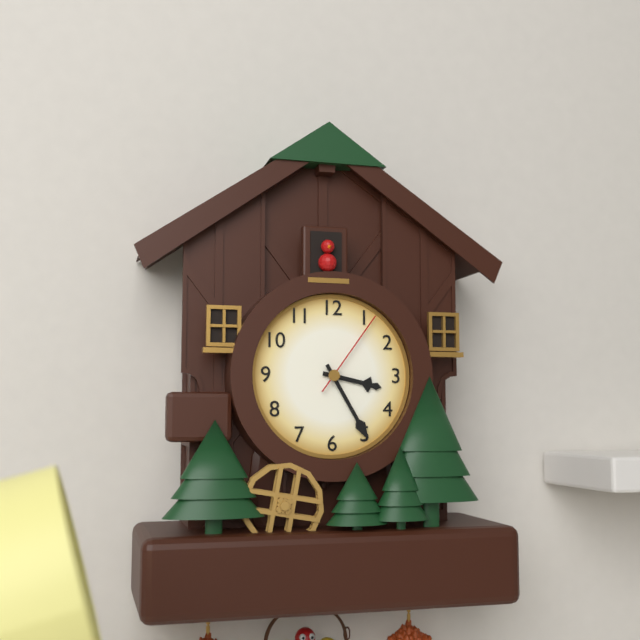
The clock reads 3:25:06
